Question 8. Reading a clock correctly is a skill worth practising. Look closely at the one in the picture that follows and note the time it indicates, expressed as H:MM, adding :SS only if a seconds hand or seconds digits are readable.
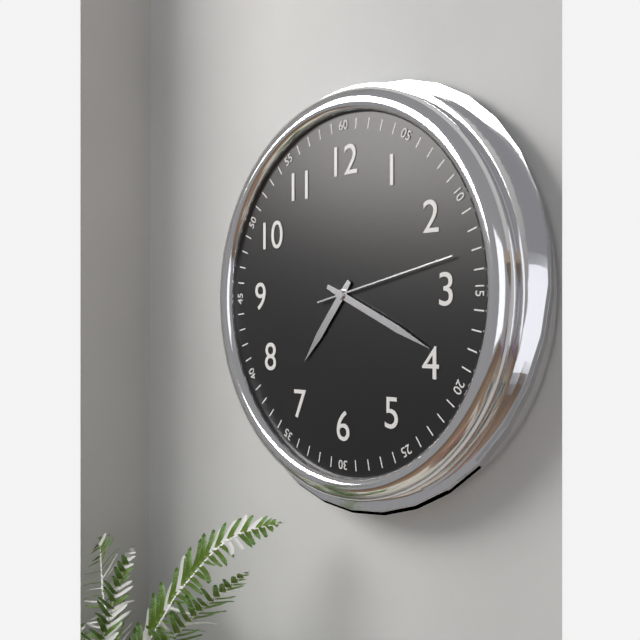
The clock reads 7:19:13
